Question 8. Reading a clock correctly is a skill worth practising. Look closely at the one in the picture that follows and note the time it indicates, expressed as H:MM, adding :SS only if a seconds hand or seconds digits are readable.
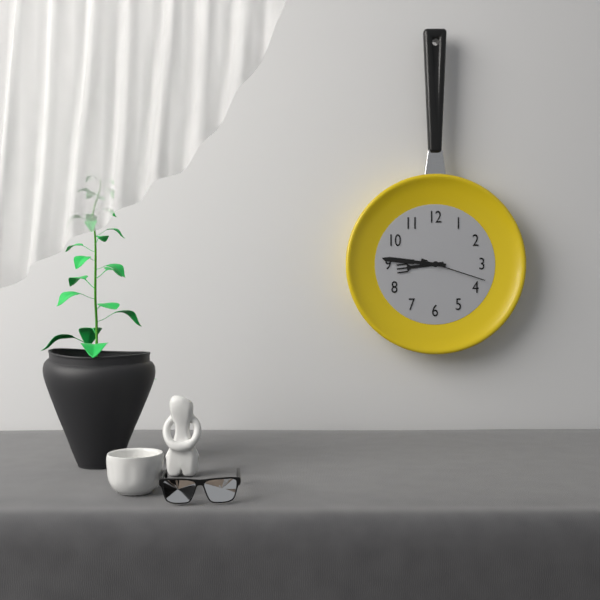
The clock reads 8:46:18
